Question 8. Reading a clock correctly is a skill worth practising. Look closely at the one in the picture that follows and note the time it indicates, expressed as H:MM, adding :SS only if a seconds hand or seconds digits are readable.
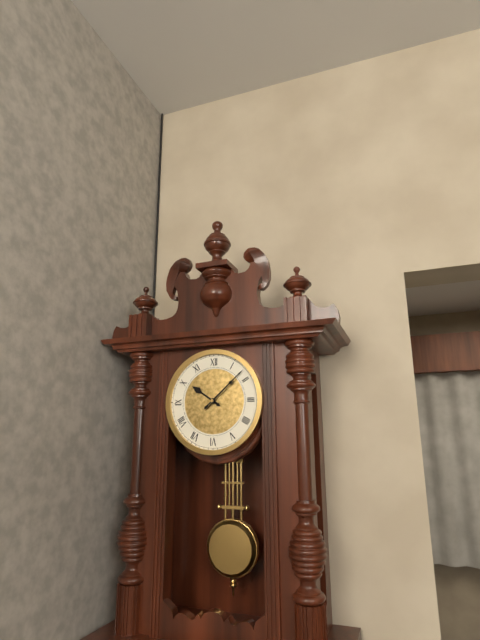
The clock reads 10:08
